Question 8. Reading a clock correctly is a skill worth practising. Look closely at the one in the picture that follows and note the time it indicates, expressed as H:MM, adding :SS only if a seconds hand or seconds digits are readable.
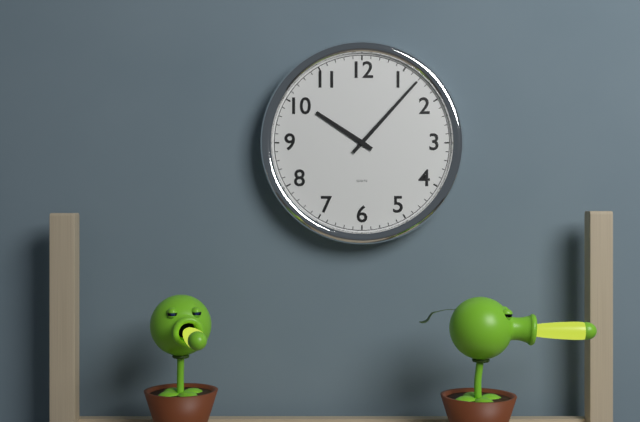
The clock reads 10:07
